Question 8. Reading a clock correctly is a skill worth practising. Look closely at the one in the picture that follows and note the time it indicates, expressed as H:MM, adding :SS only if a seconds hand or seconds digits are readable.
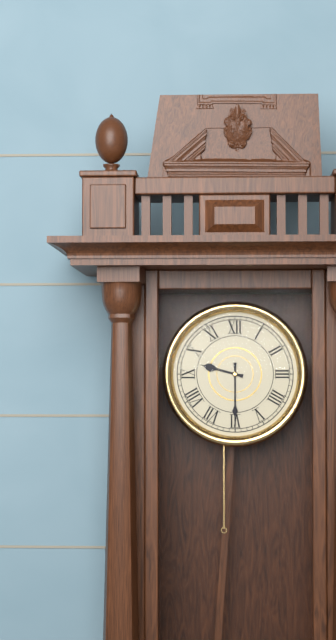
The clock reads 9:30
